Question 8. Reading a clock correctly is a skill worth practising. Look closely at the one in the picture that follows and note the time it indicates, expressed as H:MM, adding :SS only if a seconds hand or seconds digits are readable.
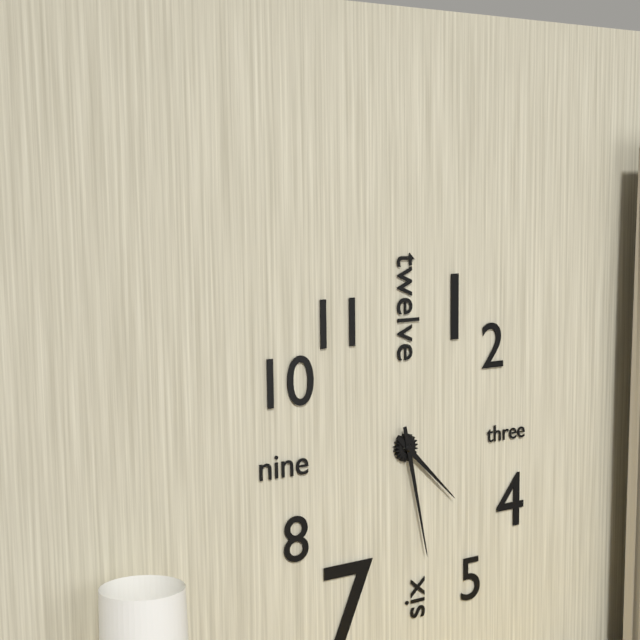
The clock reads 4:28
